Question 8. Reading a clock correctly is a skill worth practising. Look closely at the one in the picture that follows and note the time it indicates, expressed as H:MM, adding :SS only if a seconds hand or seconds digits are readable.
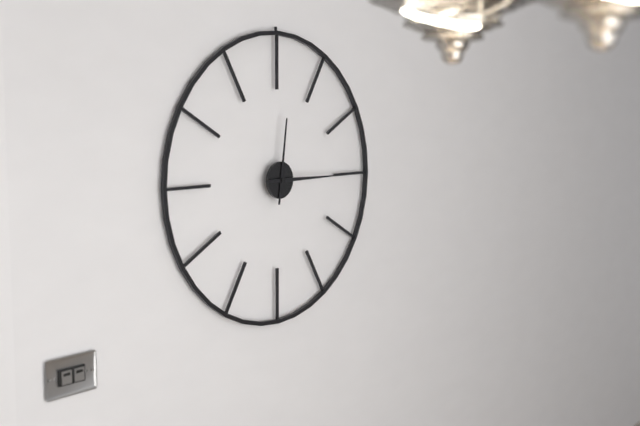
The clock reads 12:15
